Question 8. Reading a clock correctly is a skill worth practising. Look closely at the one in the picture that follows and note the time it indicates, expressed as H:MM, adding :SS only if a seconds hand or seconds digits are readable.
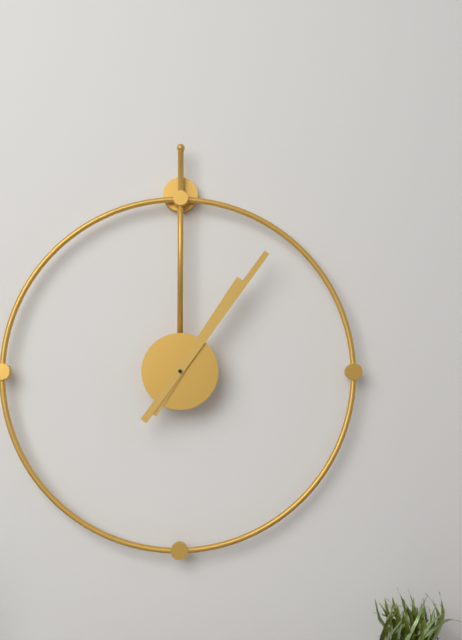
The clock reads 1:06
